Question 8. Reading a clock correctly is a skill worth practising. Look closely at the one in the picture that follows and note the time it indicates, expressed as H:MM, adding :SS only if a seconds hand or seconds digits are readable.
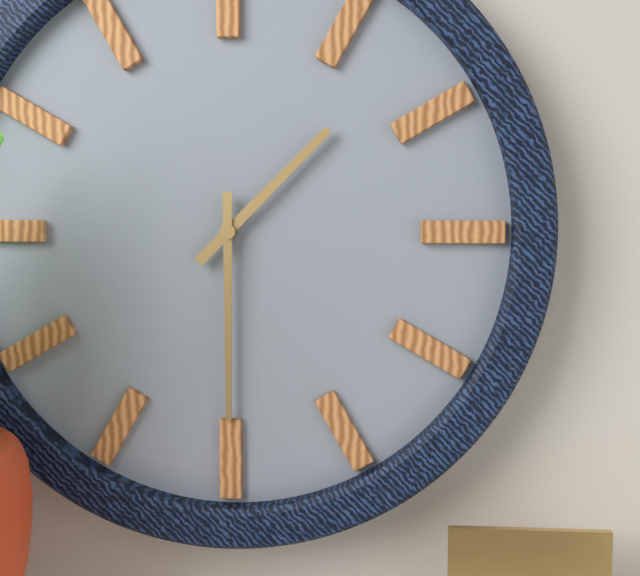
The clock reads 1:30
